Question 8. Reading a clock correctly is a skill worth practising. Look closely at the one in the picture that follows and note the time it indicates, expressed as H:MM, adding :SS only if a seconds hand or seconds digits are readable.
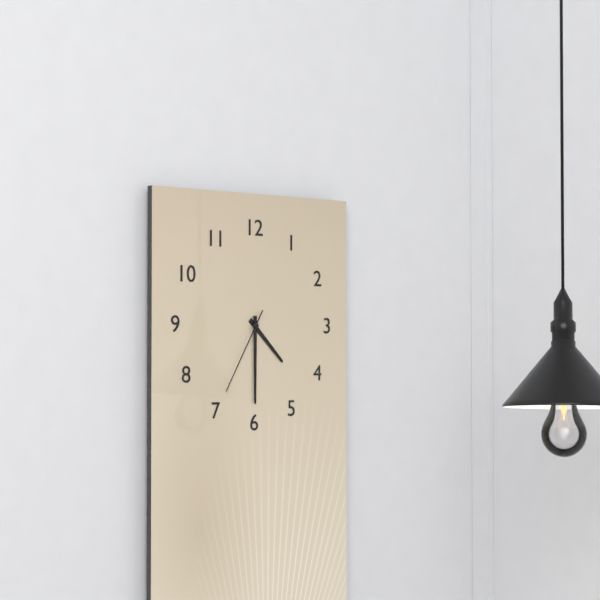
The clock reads 4:30:35
